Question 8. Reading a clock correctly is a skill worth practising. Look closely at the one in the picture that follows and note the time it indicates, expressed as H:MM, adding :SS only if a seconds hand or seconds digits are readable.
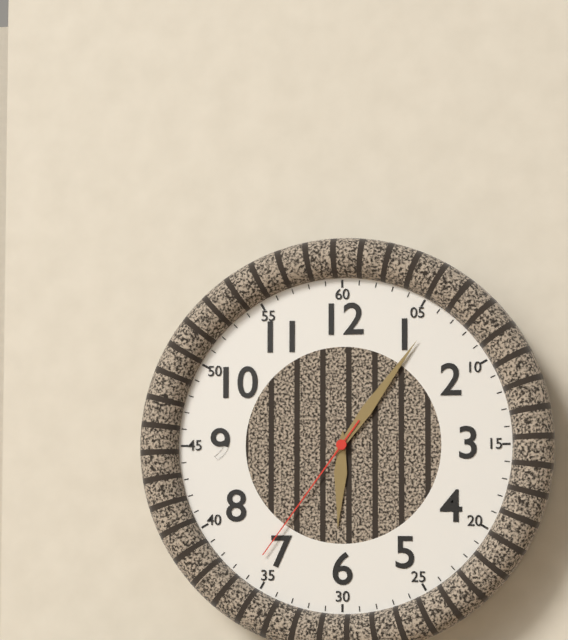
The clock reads 6:06:36
